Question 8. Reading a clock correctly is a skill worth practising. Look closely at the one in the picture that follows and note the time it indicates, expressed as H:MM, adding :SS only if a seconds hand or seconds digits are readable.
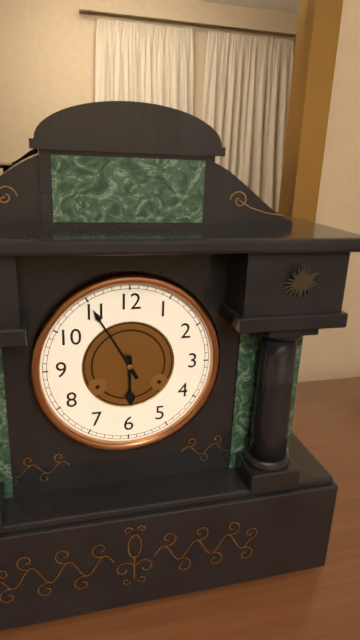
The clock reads 5:55
